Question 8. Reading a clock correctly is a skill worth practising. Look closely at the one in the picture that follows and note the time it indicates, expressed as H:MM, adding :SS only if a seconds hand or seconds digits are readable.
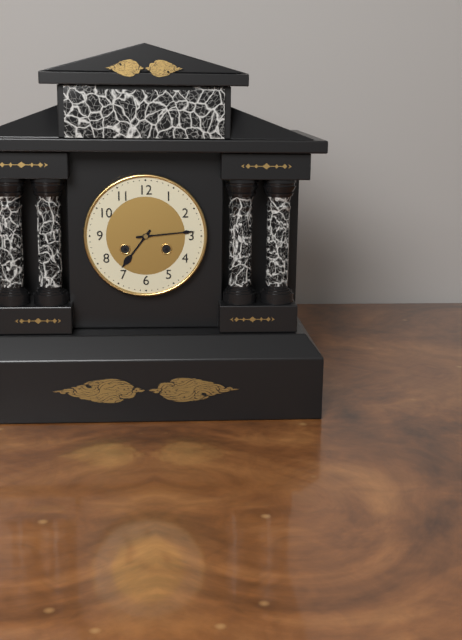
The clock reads 7:14
